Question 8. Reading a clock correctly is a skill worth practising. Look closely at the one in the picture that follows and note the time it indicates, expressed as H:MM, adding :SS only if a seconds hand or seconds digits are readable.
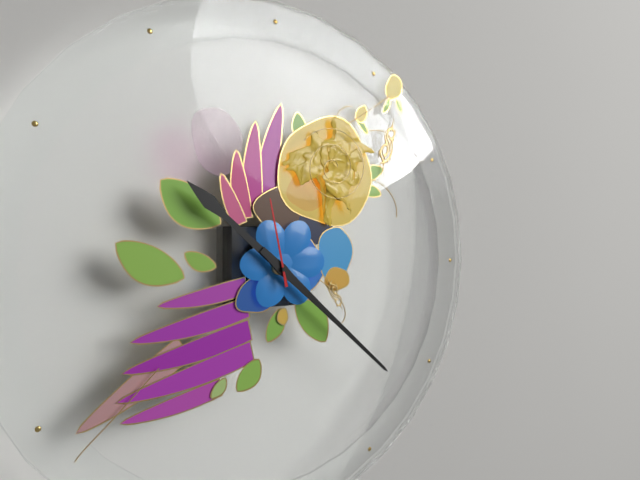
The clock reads 10:22:58
